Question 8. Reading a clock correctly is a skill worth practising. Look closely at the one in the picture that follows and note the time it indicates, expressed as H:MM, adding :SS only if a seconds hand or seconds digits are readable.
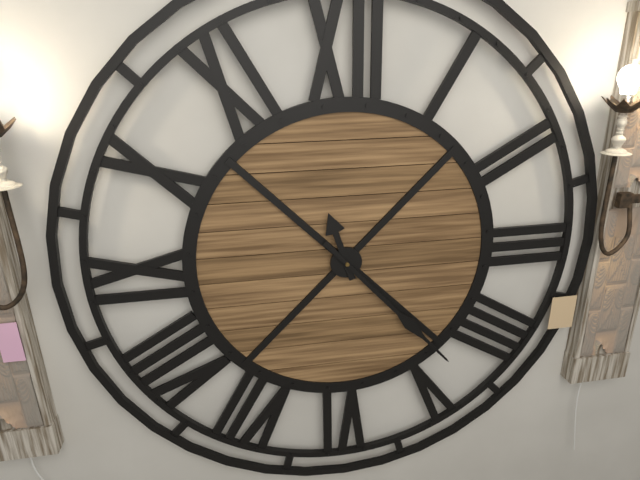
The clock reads 11:23
